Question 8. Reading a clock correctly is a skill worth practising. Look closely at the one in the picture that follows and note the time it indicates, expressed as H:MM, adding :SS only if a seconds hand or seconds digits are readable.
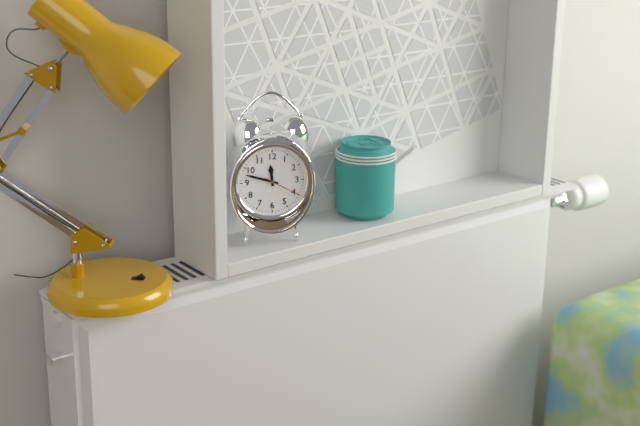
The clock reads 11:48
